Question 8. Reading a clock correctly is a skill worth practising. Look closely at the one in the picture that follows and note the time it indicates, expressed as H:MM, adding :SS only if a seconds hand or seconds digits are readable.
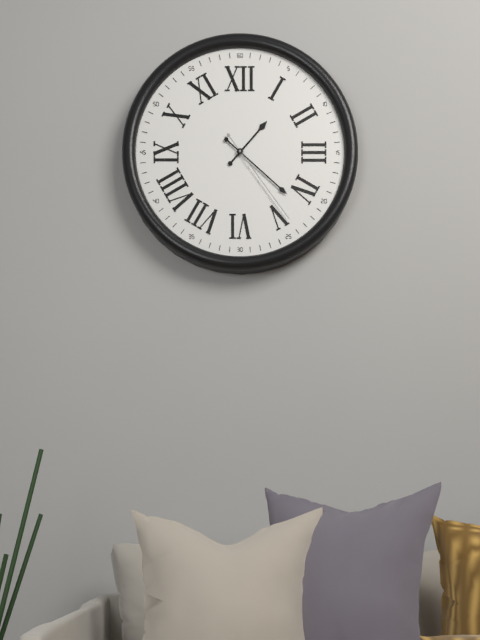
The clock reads 1:22:24
